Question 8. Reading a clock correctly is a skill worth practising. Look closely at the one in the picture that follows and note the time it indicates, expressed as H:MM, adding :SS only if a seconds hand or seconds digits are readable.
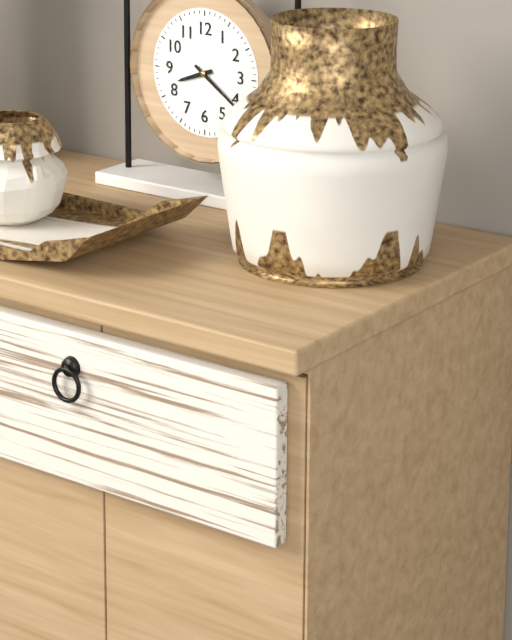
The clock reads 8:21
